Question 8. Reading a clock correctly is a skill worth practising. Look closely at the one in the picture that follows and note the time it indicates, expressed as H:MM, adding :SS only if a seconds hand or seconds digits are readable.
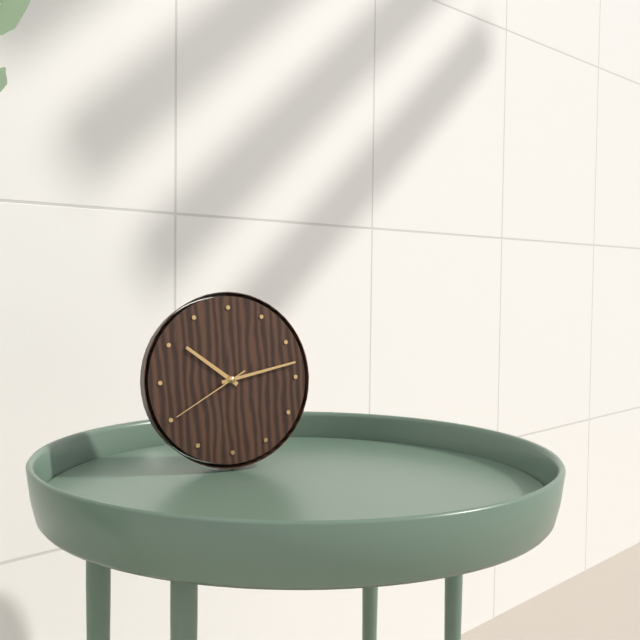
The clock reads 10:13:40
